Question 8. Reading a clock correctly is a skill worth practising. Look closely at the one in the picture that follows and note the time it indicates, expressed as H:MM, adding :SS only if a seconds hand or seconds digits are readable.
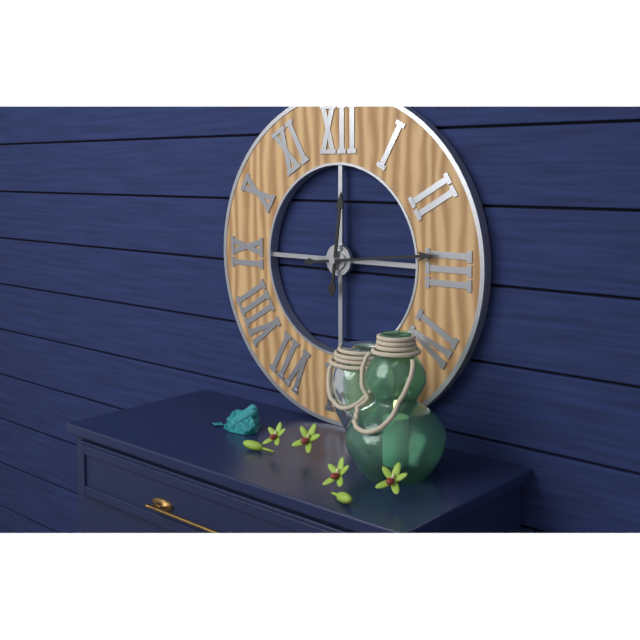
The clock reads 12:14
